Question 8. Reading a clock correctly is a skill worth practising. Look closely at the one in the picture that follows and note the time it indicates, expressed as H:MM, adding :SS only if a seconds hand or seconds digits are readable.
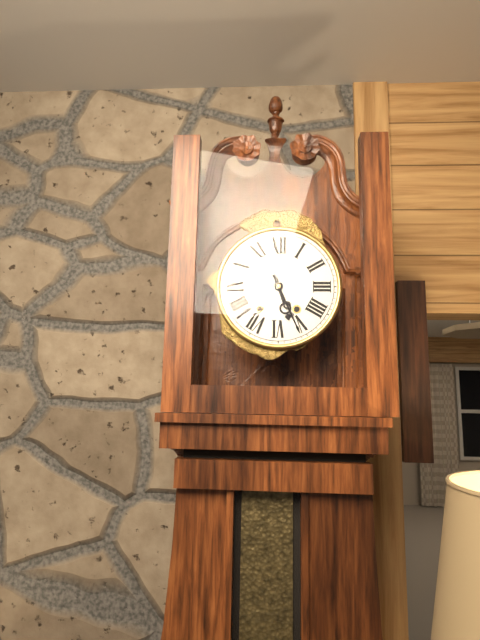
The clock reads 5:26
